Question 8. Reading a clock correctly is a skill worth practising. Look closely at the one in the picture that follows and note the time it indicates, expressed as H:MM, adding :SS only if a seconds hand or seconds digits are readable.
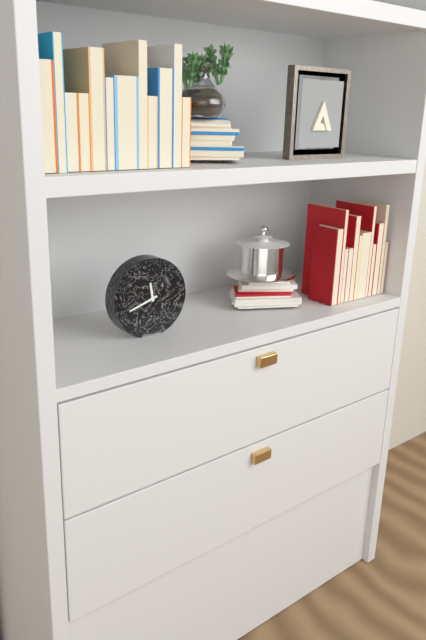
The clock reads 11:42
